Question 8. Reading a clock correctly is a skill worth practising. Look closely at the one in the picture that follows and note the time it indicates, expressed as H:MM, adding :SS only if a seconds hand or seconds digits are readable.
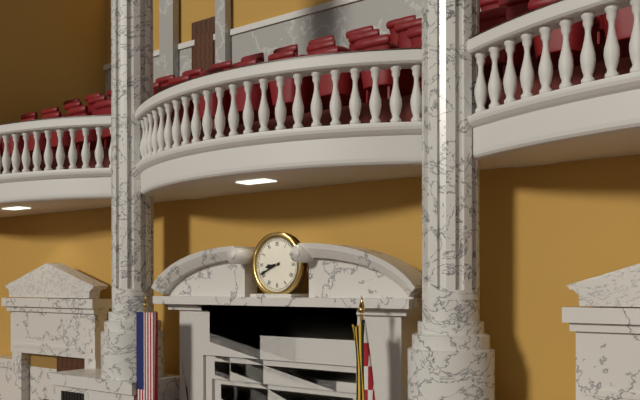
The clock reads 8:41
